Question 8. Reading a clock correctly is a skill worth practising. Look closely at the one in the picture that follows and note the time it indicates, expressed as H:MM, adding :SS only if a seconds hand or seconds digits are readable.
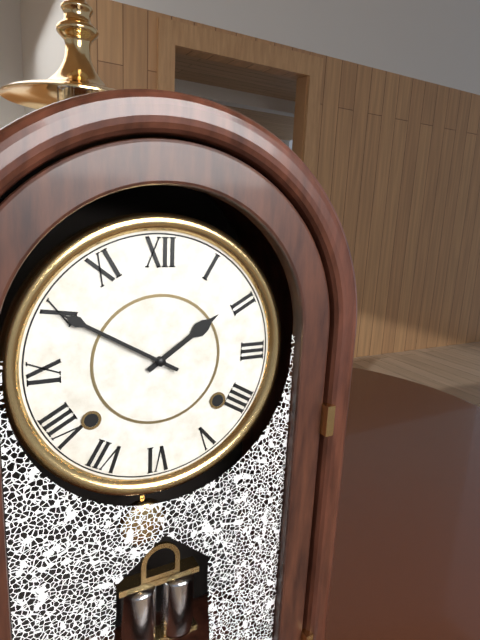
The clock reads 1:50
